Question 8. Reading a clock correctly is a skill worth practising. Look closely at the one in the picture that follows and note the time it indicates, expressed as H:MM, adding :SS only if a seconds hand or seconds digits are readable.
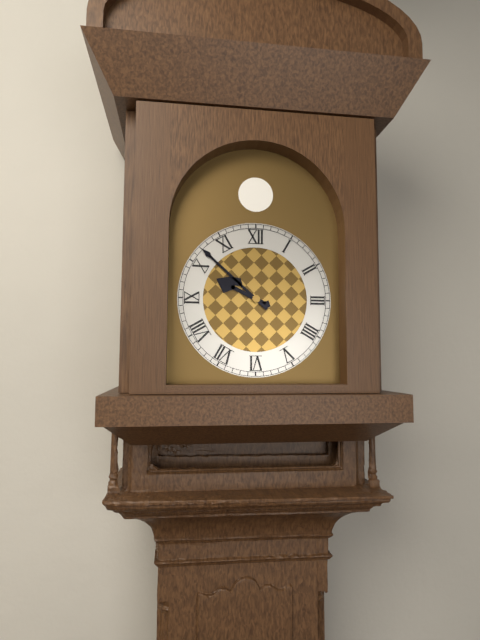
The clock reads 9:52
